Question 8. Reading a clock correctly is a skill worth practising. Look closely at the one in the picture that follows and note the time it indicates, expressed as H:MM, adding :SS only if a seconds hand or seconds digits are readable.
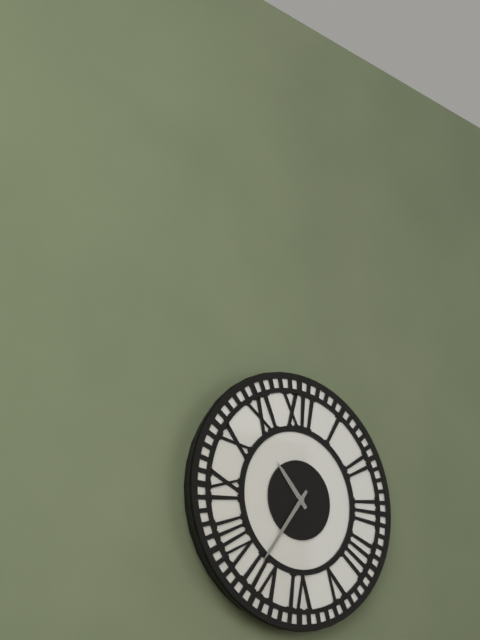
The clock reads 10:36
